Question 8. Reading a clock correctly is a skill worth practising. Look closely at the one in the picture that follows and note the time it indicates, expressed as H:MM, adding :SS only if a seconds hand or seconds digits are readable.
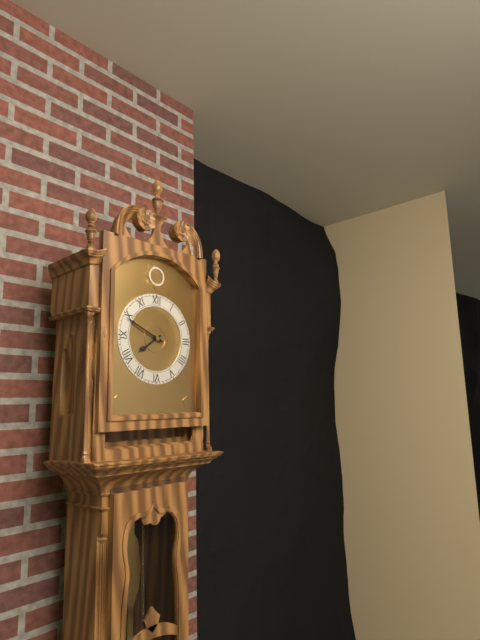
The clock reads 7:49
